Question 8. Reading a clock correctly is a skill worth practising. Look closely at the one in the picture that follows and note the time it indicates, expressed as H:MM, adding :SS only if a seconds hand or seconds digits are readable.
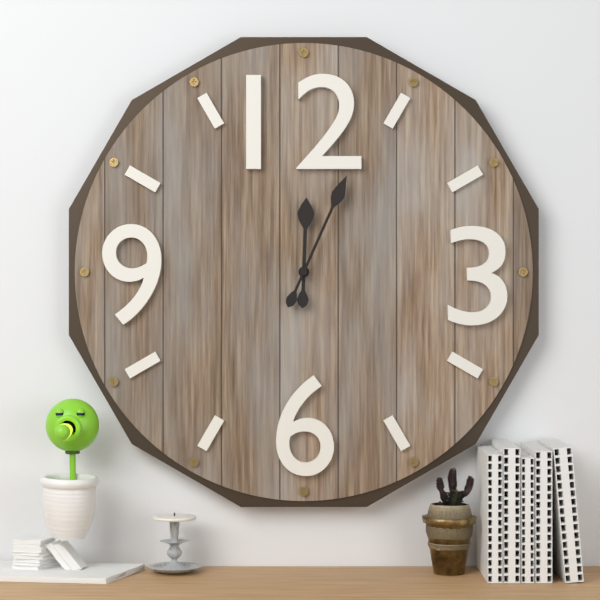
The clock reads 12:04
